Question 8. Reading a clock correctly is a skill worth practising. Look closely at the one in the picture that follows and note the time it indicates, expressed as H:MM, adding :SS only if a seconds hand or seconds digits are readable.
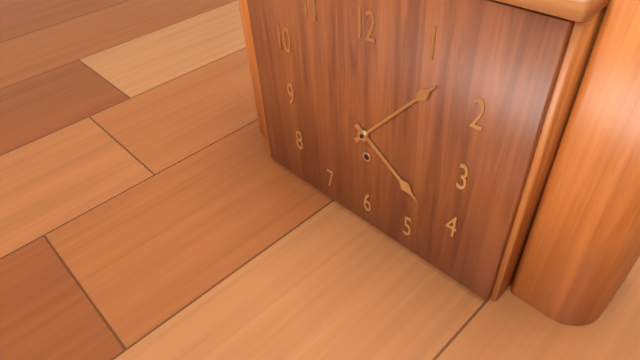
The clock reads 4:07
